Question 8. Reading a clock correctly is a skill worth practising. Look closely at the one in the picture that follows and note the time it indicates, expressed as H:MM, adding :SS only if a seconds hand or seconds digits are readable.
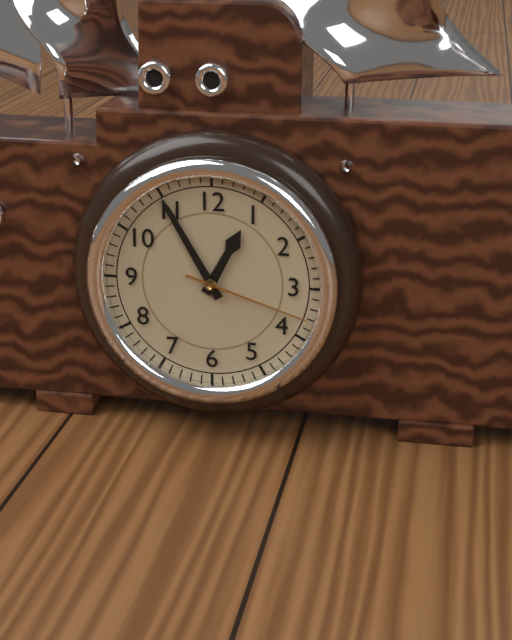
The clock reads 12:55:18
